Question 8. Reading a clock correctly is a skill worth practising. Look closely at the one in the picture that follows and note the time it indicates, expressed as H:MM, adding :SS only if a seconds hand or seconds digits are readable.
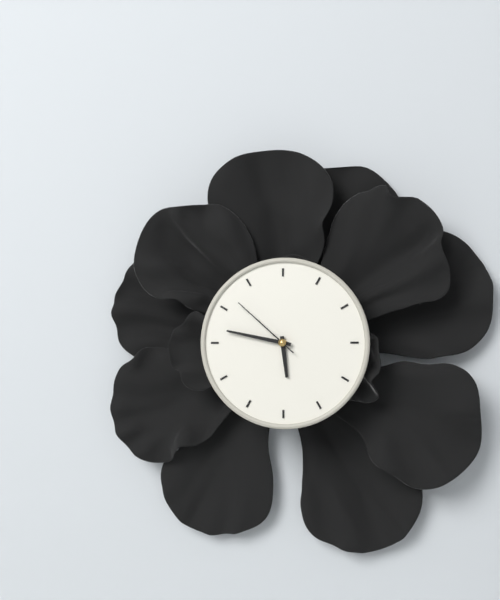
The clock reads 5:47:52
